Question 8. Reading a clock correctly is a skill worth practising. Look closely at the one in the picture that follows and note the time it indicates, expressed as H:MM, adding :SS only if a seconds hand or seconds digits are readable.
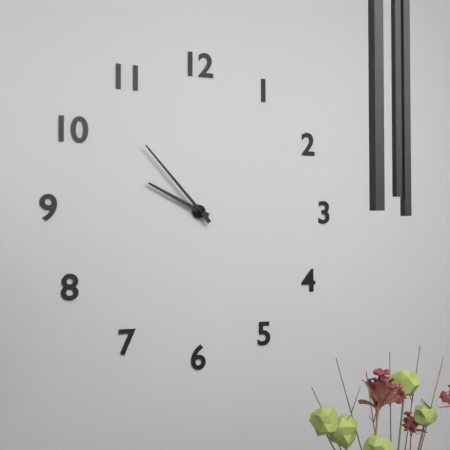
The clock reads 9:53
